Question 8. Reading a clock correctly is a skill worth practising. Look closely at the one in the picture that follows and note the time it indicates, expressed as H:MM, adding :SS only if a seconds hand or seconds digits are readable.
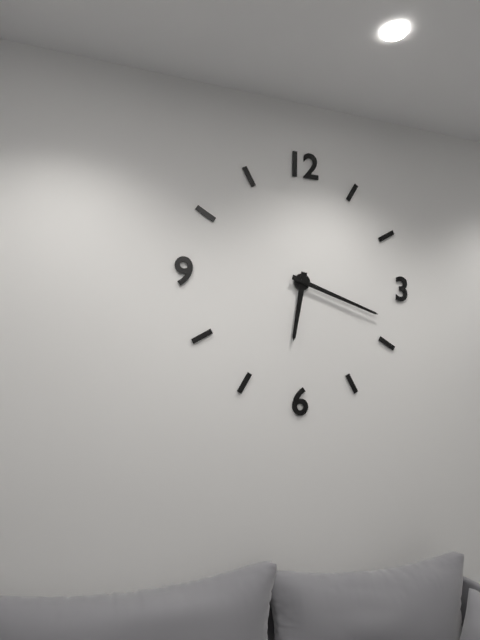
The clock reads 6:18
